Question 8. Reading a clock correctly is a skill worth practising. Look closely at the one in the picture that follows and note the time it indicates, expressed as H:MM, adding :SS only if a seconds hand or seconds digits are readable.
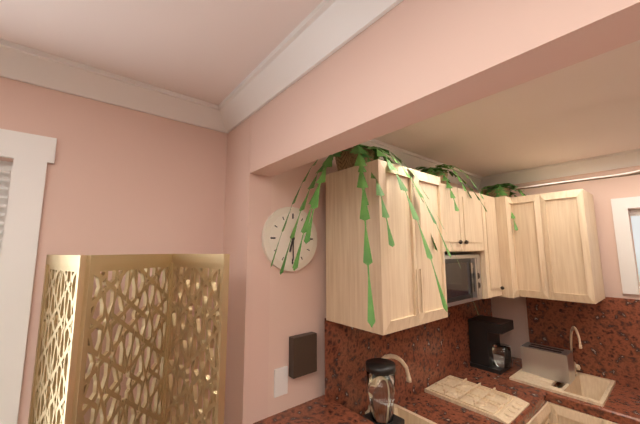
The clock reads 6:30
